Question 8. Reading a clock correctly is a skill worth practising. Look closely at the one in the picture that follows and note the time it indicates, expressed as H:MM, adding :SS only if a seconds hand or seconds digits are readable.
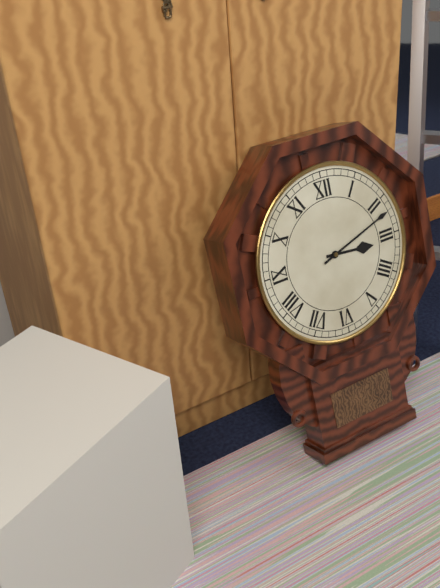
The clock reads 3:12
